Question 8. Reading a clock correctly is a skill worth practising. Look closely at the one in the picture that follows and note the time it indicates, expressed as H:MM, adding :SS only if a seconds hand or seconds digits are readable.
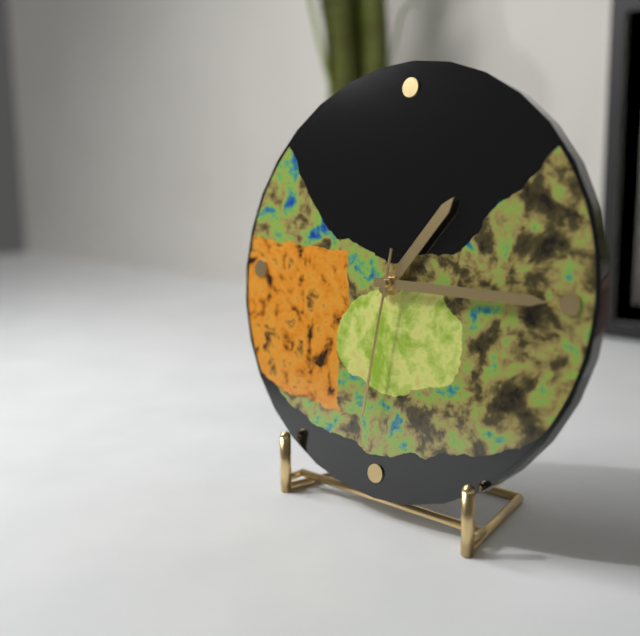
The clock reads 1:15:31
